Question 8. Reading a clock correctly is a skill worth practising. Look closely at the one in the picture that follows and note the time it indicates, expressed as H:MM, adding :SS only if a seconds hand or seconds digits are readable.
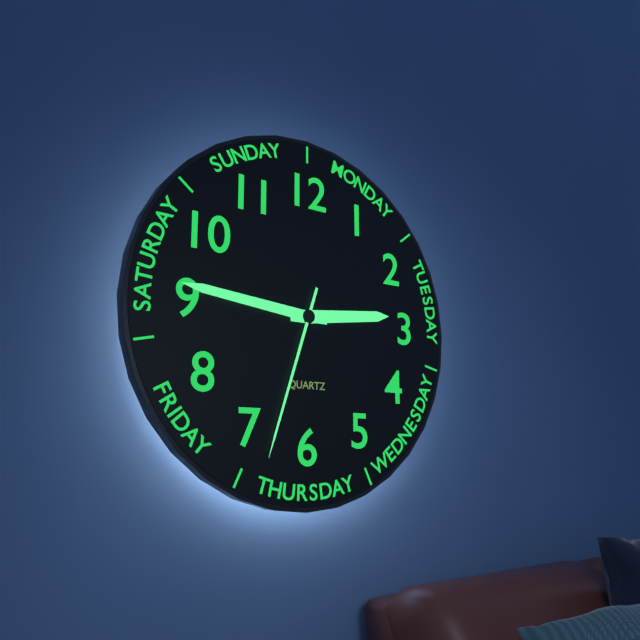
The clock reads 2:46:33
